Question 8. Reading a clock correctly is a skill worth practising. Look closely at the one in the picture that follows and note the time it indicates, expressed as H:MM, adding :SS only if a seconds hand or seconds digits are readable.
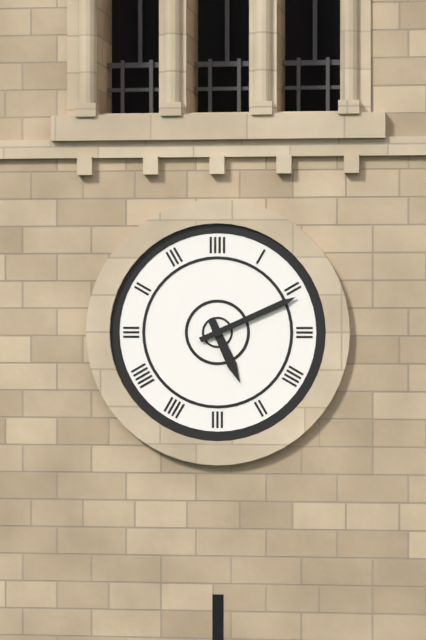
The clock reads 5:11
